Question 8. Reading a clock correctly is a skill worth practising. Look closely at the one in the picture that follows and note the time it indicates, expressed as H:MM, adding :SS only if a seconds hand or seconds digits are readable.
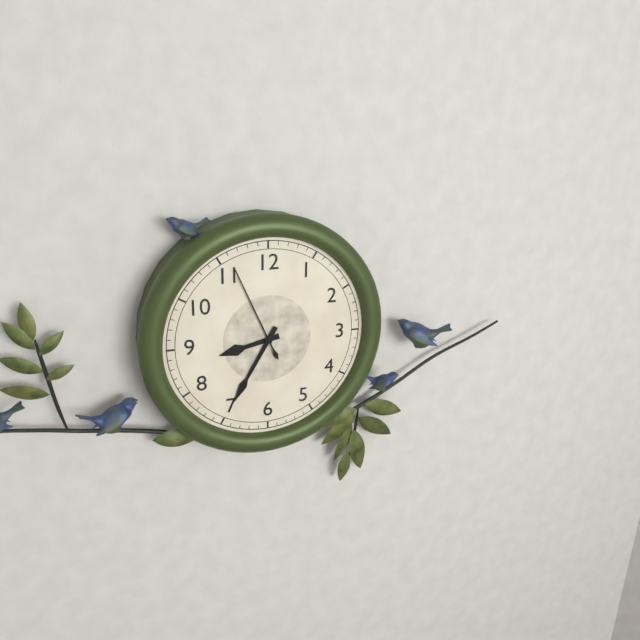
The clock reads 8:35:56
